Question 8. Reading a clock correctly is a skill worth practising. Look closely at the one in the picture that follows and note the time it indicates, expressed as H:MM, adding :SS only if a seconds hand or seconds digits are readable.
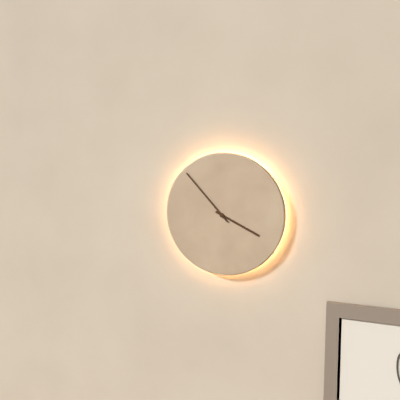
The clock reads 3:53
